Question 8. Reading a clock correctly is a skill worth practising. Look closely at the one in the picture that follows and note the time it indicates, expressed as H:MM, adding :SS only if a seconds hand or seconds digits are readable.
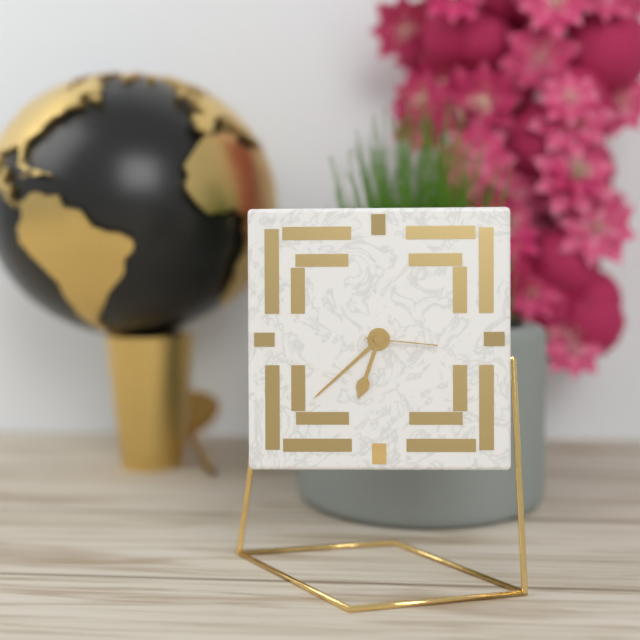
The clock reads 6:38:16
